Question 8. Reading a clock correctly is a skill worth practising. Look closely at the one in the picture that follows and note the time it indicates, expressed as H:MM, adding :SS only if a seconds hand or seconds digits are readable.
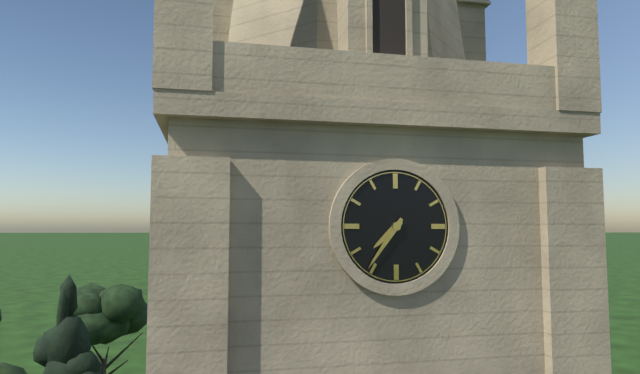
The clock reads 7:36
